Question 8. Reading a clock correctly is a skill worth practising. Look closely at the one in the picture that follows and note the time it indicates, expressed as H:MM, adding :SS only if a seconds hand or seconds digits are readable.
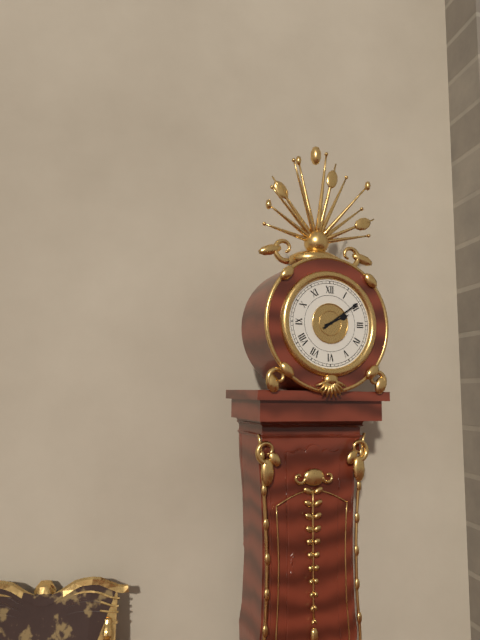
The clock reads 2:09
